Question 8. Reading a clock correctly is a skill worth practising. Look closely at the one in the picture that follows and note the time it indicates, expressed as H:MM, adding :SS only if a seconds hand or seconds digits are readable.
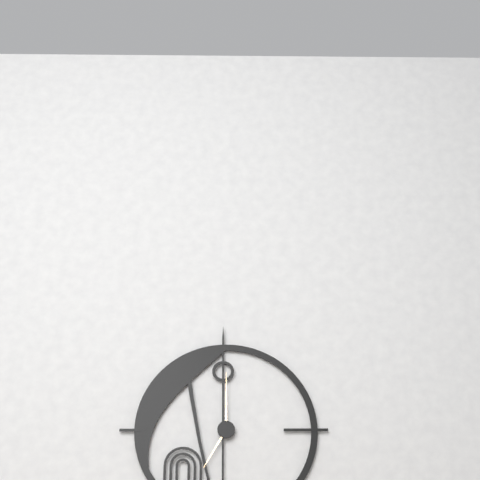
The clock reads 7:00
